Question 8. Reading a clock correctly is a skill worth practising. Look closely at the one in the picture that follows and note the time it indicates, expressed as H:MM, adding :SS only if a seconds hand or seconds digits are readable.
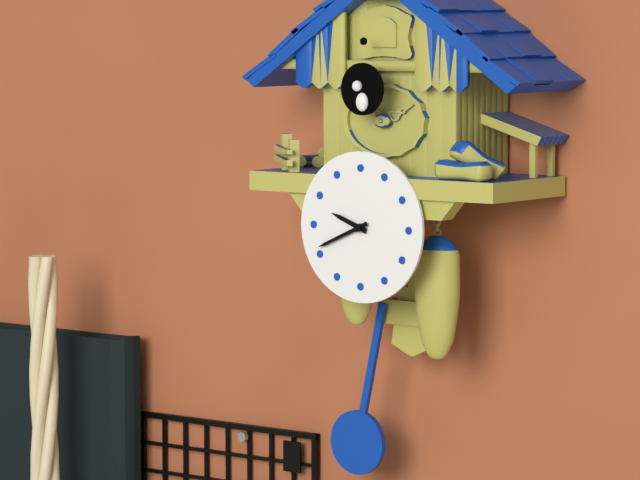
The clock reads 9:41
